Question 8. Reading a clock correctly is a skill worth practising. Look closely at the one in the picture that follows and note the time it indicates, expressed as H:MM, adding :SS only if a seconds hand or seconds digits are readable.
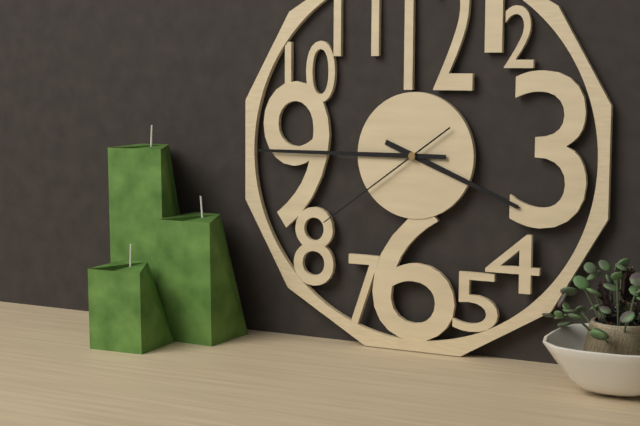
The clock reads 3:45:39
